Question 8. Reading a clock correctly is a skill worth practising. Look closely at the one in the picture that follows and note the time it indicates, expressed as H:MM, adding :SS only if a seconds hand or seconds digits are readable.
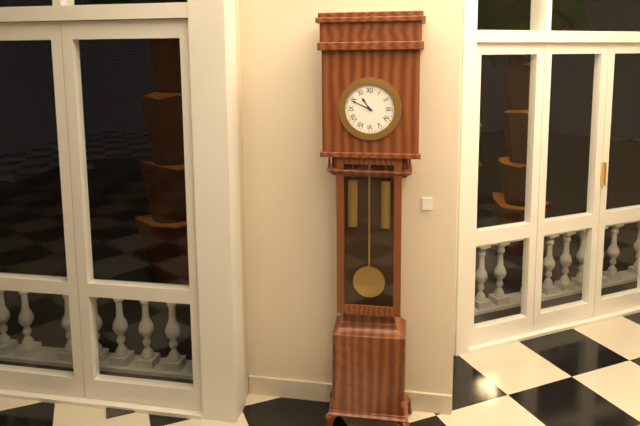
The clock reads 10:49
